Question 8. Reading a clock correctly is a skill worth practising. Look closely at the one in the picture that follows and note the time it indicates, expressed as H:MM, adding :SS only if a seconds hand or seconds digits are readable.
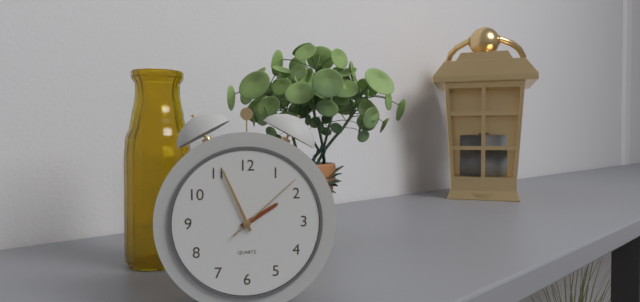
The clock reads 1:56:08
